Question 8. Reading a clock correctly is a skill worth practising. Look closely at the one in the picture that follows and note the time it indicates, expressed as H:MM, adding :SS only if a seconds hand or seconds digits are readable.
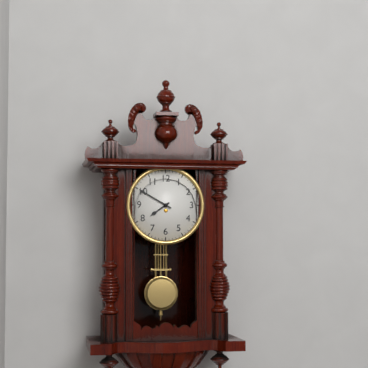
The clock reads 7:50
